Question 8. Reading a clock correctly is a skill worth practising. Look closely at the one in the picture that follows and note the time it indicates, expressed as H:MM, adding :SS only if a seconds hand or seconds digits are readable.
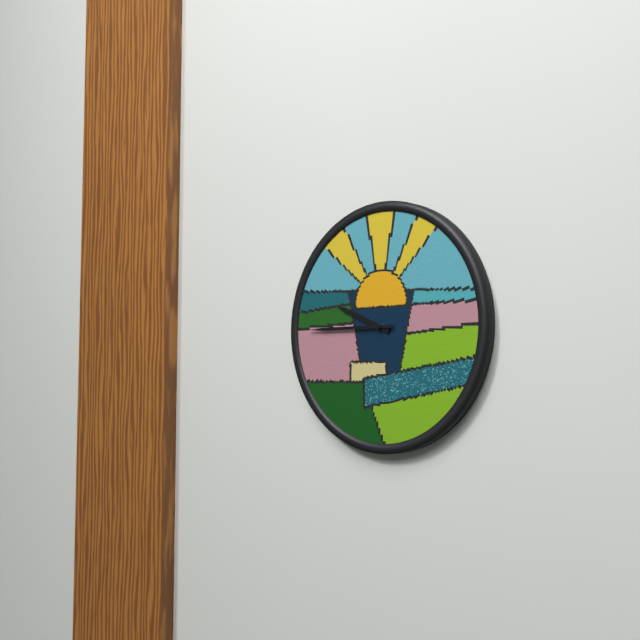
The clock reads 9:45
